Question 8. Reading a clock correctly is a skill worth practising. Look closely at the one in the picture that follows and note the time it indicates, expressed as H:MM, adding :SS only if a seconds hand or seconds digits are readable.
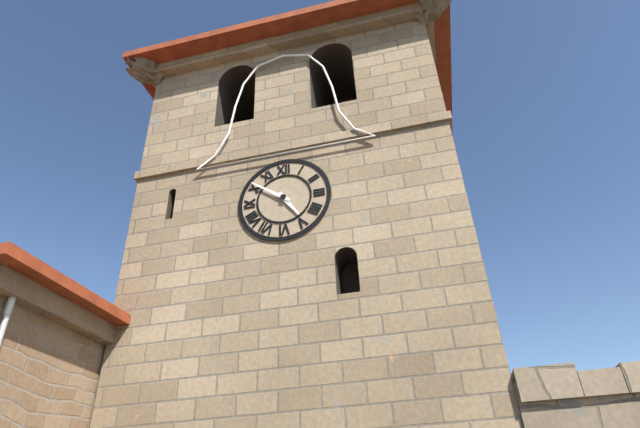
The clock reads 4:51
